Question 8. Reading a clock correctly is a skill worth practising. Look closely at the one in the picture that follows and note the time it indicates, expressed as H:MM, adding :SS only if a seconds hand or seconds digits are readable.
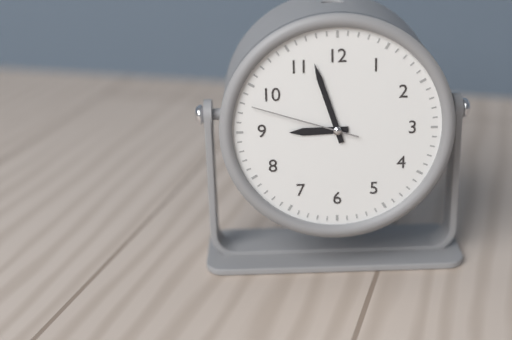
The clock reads 8:57:48
